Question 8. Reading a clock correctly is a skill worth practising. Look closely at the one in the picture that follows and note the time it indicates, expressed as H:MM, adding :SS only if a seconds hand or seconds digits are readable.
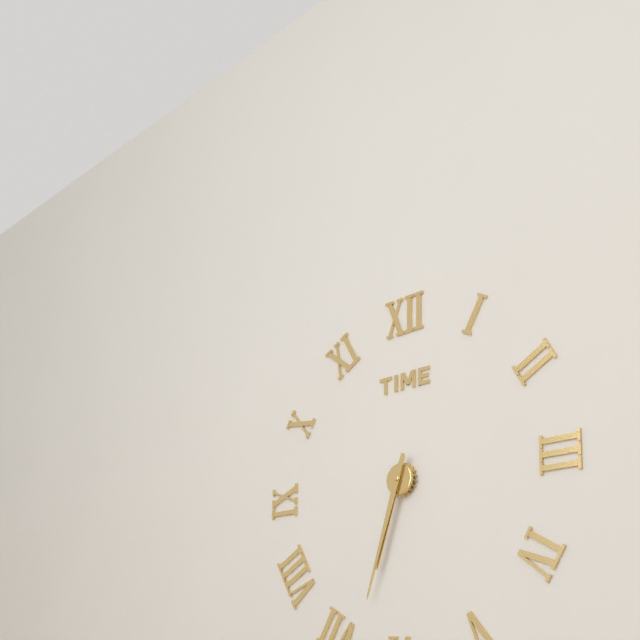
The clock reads 6:33
